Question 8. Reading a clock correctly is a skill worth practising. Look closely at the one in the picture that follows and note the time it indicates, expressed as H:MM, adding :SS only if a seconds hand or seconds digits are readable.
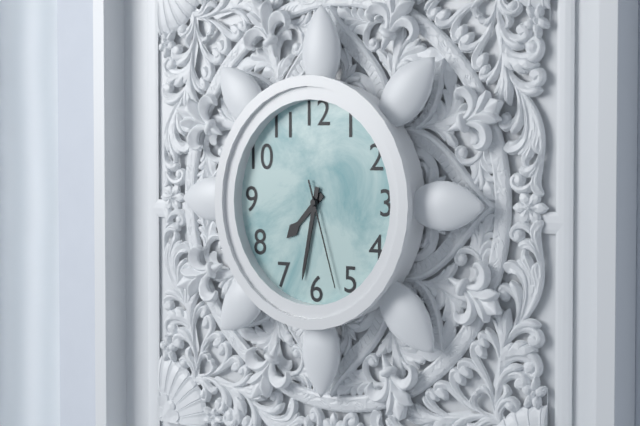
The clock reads 7:32:27
